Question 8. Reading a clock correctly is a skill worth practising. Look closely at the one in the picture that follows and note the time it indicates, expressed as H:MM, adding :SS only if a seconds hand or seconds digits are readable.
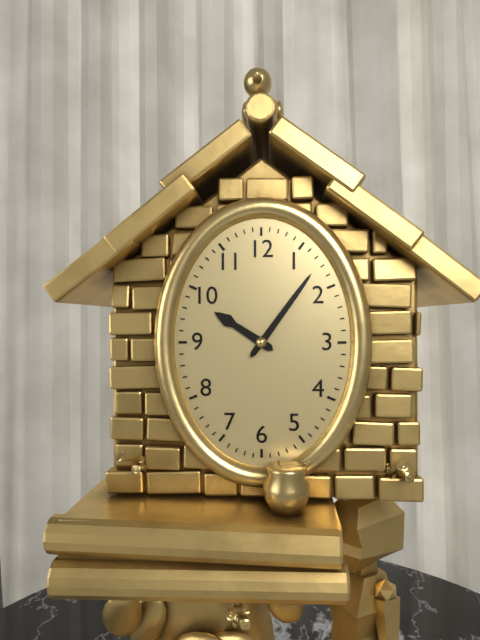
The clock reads 10:06
